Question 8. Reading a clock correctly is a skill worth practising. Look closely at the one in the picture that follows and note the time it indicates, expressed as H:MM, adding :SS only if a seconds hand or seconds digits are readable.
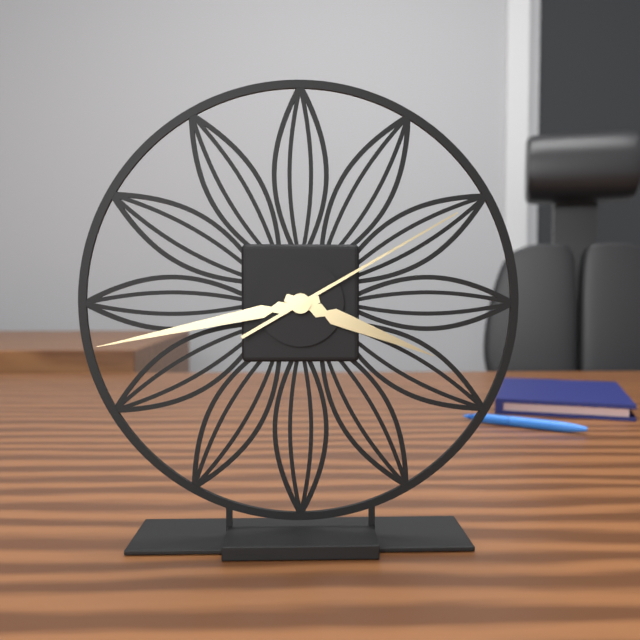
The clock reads 3:43:10
